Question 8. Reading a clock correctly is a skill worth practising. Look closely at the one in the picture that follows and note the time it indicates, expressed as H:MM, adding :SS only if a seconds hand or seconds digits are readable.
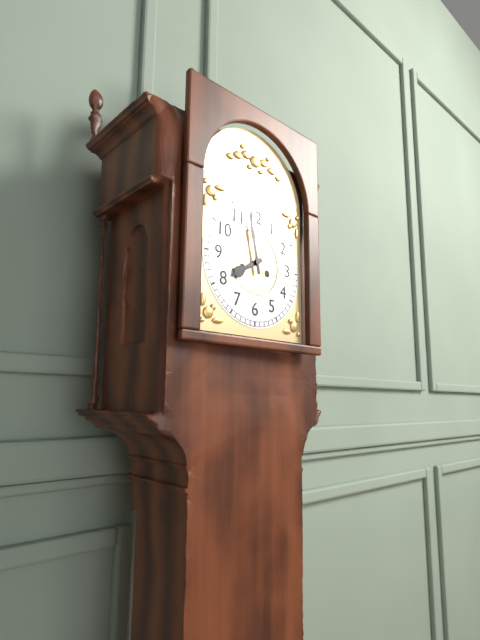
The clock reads 7:58
